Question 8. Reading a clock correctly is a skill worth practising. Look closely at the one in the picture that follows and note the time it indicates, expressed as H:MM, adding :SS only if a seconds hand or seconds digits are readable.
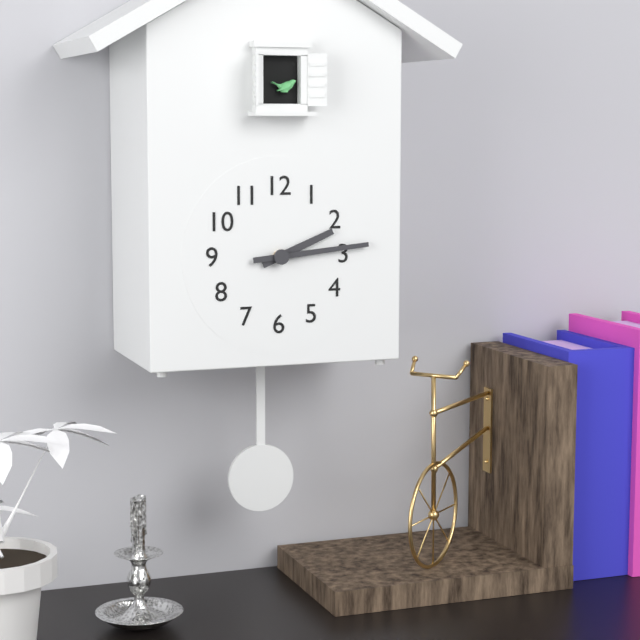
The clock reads 2:14
